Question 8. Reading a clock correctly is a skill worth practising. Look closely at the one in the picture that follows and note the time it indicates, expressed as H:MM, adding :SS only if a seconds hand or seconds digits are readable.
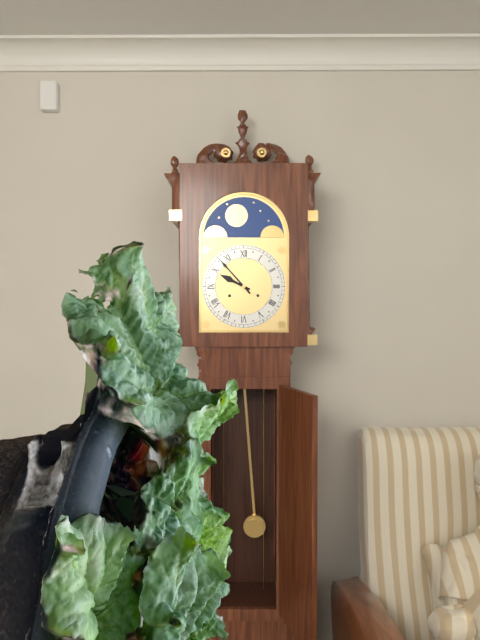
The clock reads 9:53
